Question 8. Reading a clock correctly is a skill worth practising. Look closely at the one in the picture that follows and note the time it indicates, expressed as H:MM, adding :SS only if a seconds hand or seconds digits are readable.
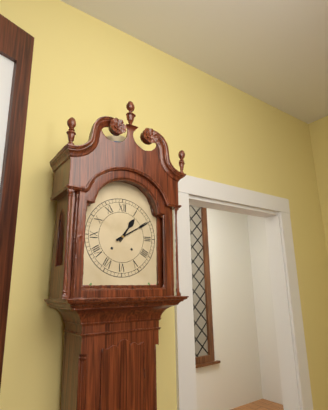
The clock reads 1:10
